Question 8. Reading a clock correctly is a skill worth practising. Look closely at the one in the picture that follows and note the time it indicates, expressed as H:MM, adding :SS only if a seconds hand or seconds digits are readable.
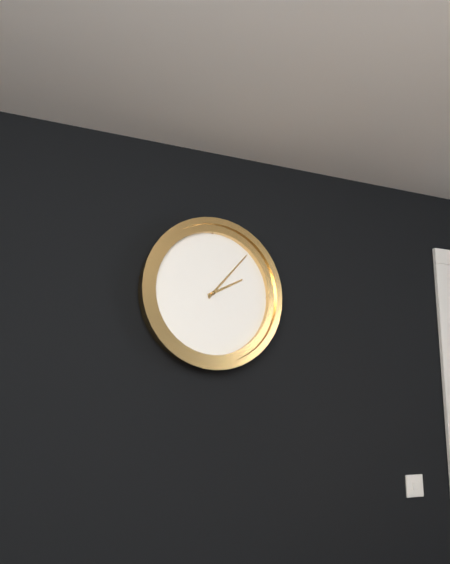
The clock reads 2:07
